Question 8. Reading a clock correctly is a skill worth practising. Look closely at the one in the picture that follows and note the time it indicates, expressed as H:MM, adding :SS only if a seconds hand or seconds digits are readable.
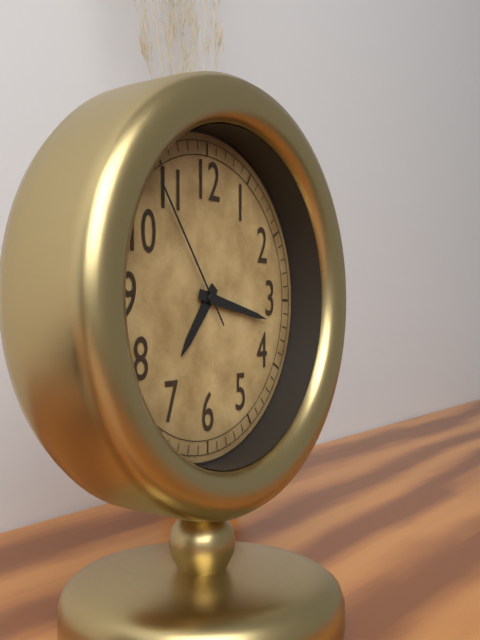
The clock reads 7:17:54
